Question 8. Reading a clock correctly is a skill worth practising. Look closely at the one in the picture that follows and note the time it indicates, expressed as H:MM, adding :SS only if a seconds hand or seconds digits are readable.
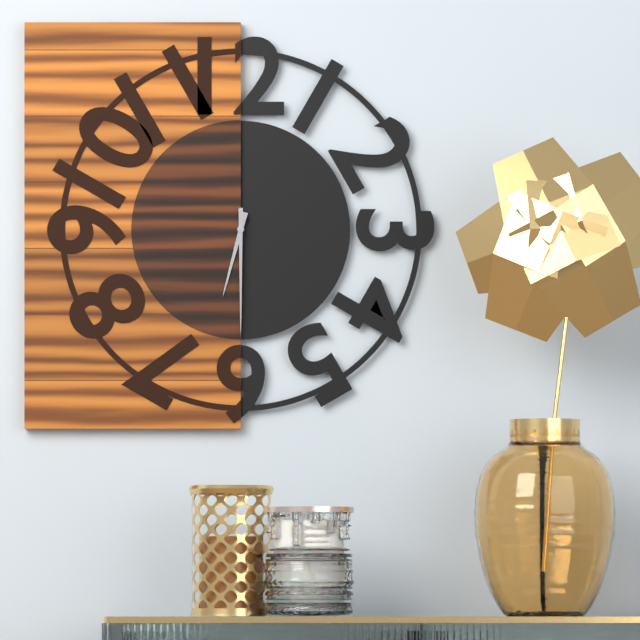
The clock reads 6:30
